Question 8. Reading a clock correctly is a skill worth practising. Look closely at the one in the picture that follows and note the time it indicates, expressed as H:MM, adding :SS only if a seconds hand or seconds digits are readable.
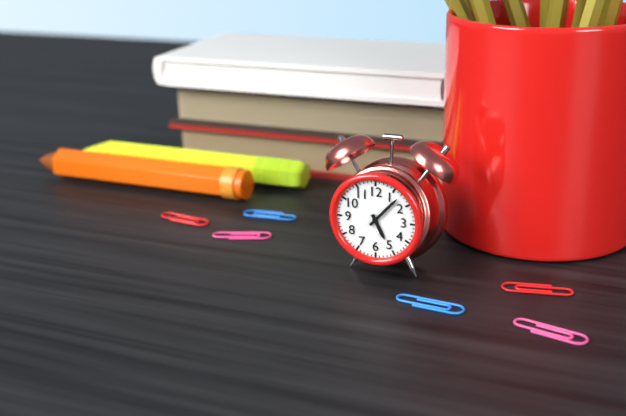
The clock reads 5:07
